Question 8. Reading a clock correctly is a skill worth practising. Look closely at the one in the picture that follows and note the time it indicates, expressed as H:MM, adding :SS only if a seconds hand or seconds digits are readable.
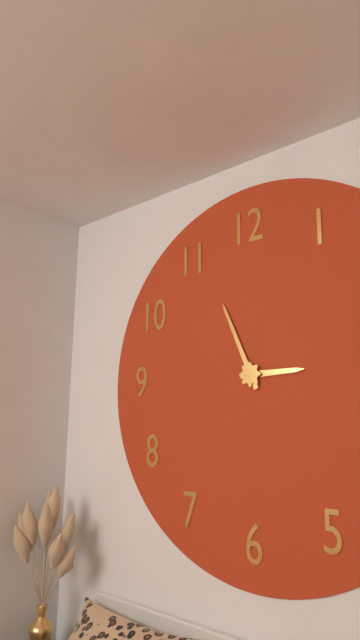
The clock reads 2:56
